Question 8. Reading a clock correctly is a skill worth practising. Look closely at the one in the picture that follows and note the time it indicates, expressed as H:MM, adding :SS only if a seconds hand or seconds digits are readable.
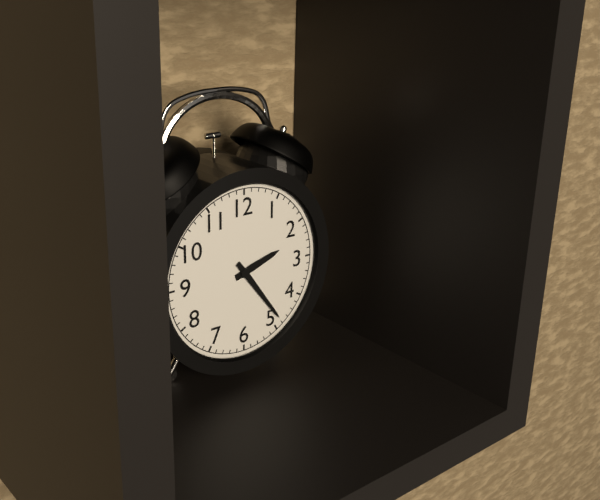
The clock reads 2:24
